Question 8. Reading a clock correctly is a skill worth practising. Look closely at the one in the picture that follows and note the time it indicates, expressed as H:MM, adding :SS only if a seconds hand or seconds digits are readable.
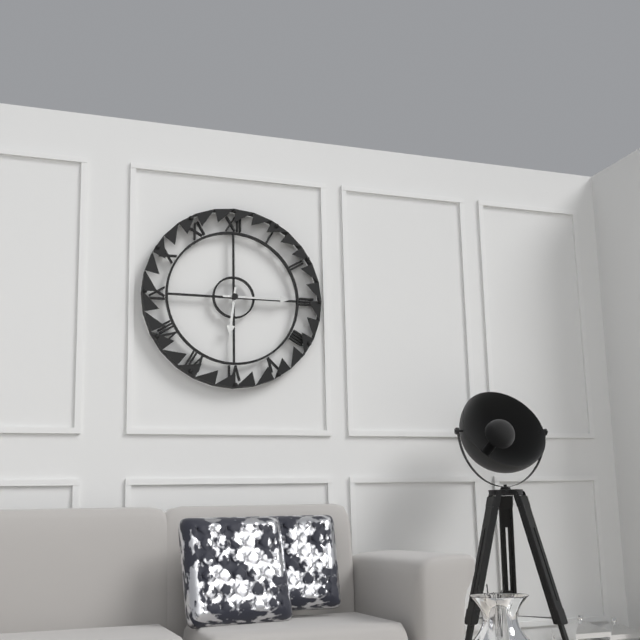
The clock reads 6:15
